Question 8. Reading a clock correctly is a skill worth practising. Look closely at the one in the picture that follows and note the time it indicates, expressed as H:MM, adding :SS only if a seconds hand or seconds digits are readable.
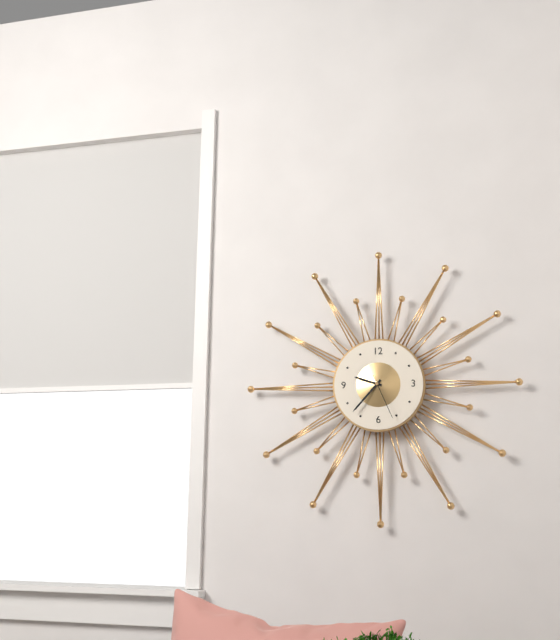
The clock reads 9:37
